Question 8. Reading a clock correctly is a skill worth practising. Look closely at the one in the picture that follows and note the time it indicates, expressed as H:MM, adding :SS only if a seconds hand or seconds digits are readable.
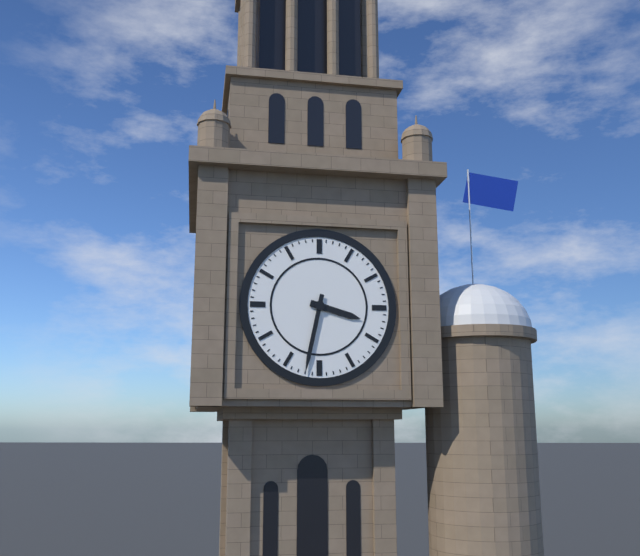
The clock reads 3:32
